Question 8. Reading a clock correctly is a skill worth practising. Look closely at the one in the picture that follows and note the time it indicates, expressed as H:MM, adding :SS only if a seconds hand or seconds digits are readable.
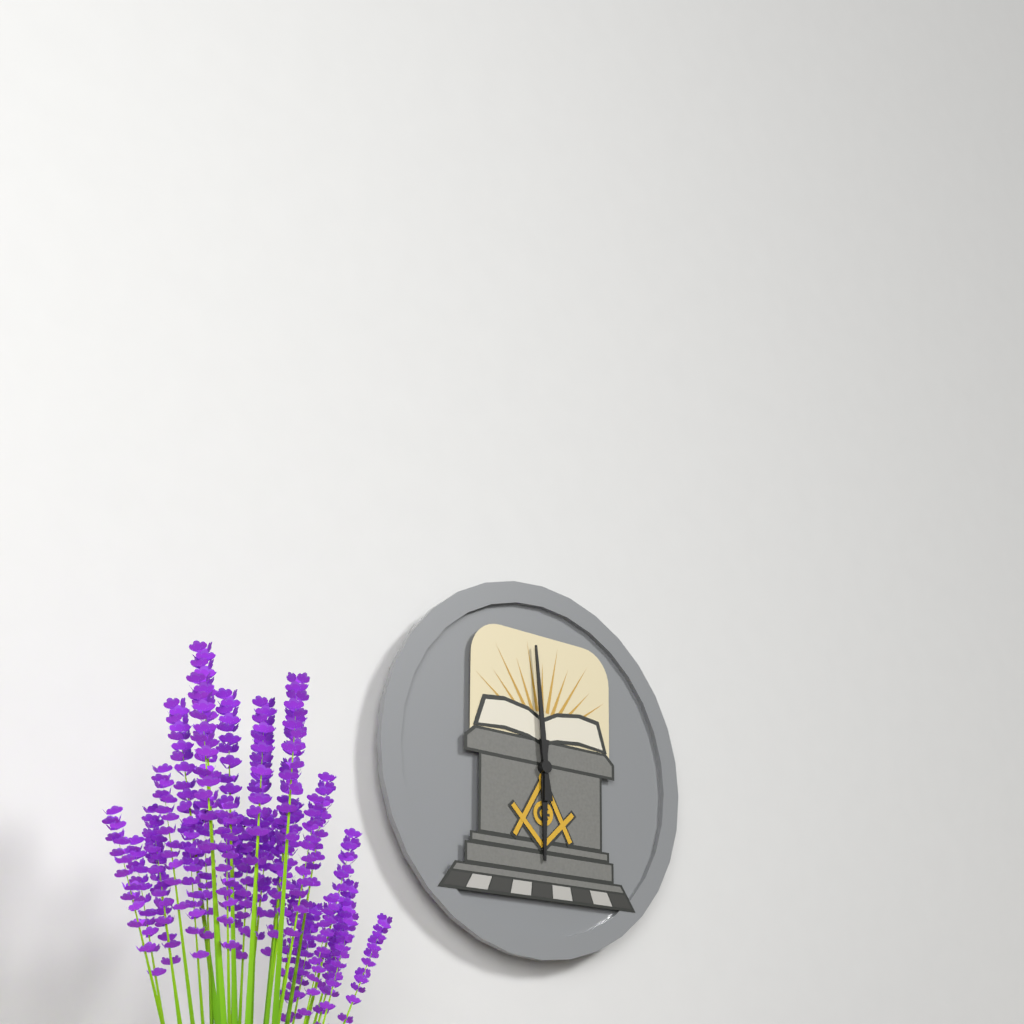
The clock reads 5:59
